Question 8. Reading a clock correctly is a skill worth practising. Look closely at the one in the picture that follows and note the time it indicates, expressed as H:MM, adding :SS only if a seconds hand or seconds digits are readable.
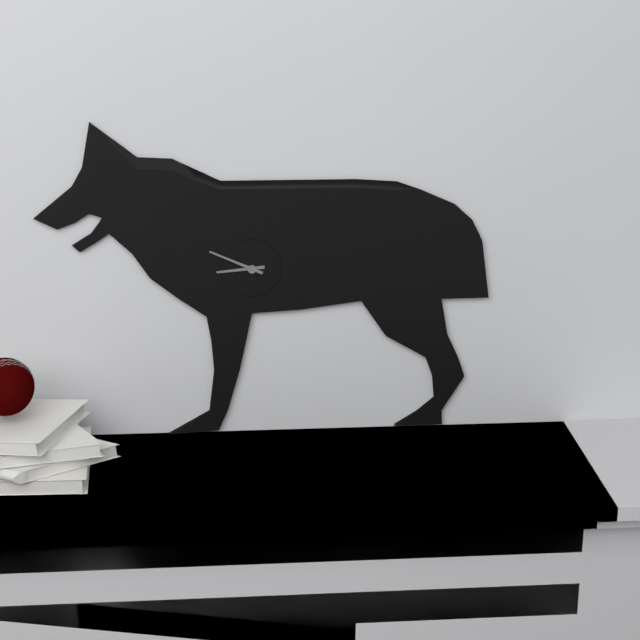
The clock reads 8:49
